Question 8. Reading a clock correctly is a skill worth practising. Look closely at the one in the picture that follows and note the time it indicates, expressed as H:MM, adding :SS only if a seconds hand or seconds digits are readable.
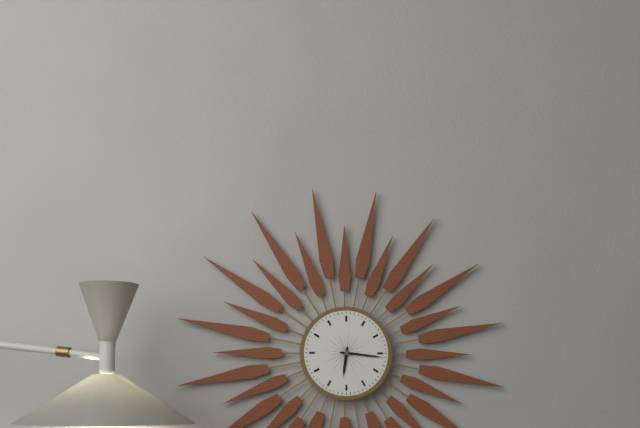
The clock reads 6:16
